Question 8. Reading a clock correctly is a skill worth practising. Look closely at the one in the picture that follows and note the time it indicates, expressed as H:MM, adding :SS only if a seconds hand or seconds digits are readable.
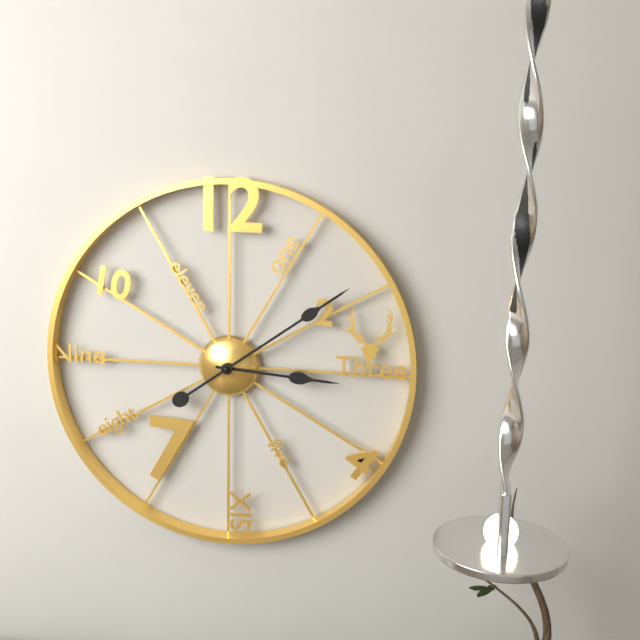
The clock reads 3:09
